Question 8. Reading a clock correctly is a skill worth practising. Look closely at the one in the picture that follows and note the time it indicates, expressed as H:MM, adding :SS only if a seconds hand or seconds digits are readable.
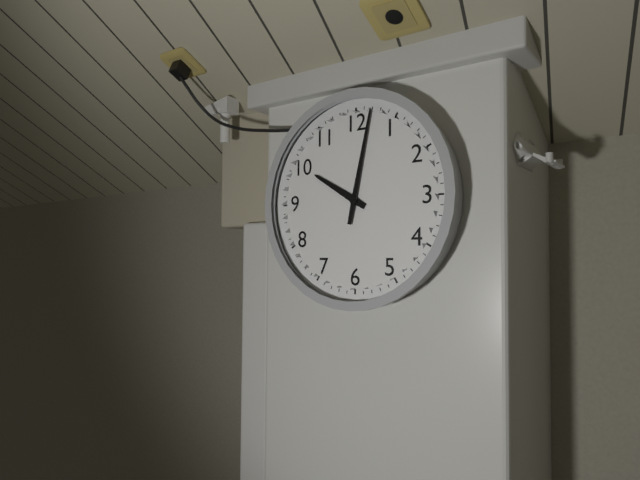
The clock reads 10:02
